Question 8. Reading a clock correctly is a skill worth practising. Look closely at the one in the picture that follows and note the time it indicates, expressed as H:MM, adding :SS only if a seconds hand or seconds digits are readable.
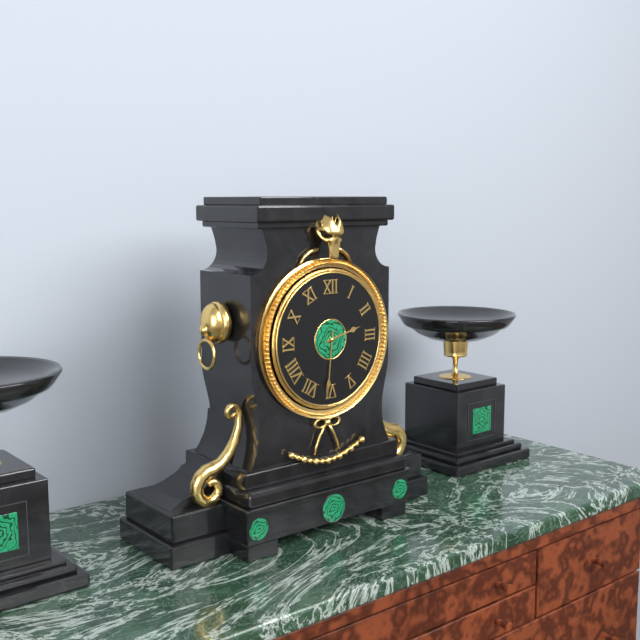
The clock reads 2:31
